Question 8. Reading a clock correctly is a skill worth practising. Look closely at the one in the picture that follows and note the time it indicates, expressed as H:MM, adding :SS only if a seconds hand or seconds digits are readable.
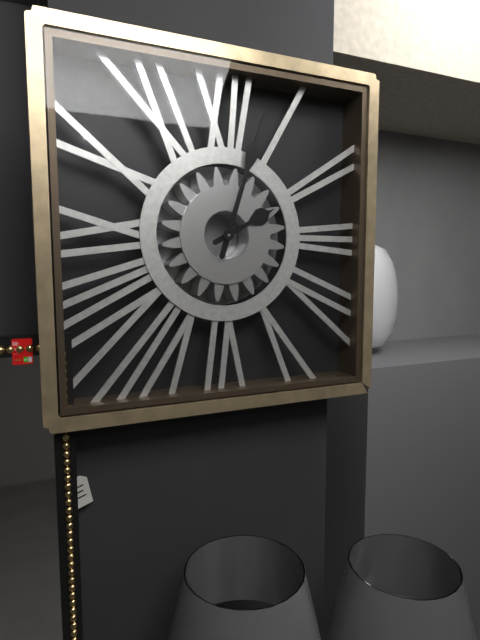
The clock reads 2:03
